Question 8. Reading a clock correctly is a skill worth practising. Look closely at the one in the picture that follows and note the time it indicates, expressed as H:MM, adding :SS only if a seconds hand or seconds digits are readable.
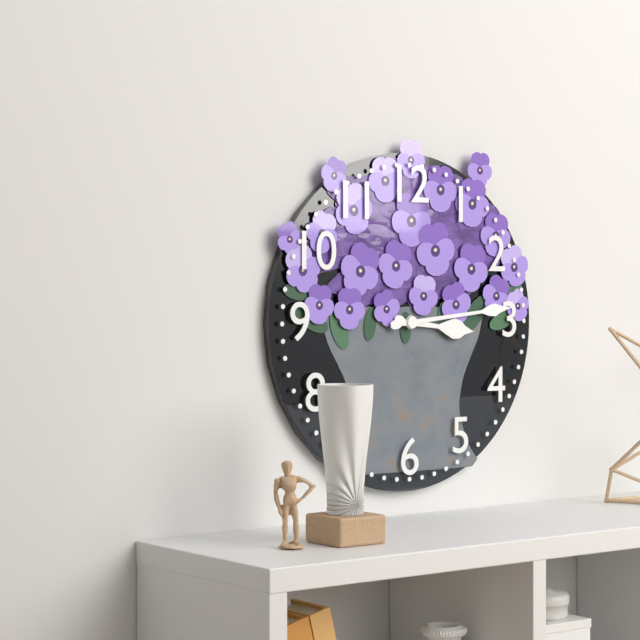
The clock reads 3:14
